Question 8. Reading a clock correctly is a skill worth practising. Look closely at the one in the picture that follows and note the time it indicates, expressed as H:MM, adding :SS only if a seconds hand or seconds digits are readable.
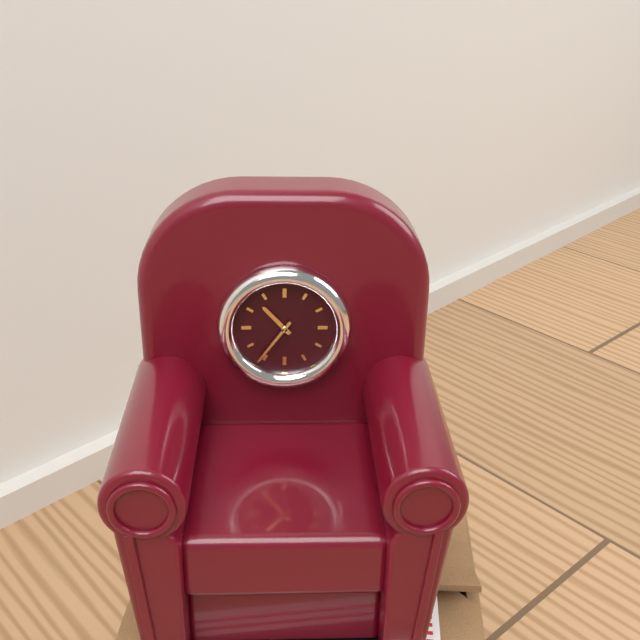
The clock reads 10:36
